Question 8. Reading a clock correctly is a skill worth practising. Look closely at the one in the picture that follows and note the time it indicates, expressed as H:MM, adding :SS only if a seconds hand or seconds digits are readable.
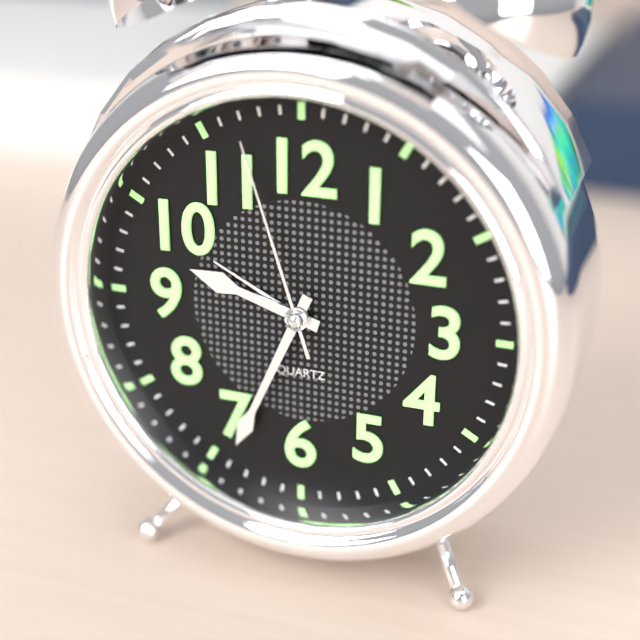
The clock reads 9:34:57
